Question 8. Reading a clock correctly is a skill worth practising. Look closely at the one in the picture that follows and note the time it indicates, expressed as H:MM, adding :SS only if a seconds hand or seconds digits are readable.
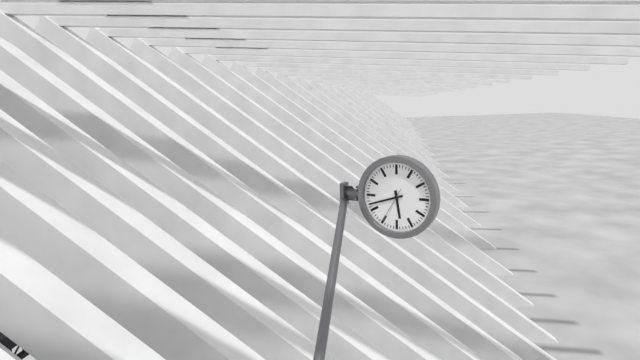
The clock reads 5:42
